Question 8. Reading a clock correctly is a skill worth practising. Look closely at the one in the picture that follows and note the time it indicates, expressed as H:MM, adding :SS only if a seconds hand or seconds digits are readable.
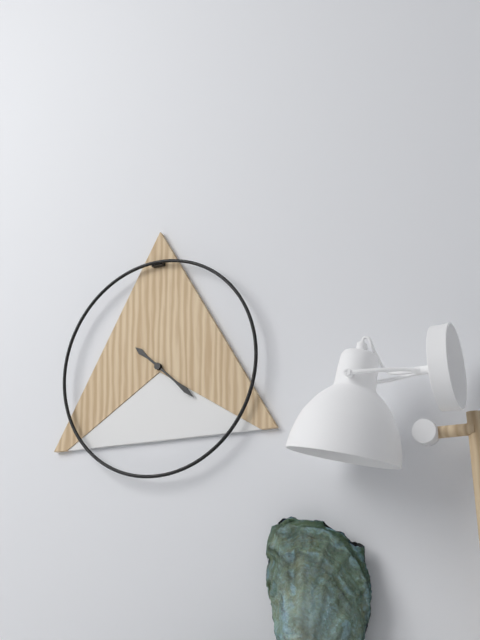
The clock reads 10:22
